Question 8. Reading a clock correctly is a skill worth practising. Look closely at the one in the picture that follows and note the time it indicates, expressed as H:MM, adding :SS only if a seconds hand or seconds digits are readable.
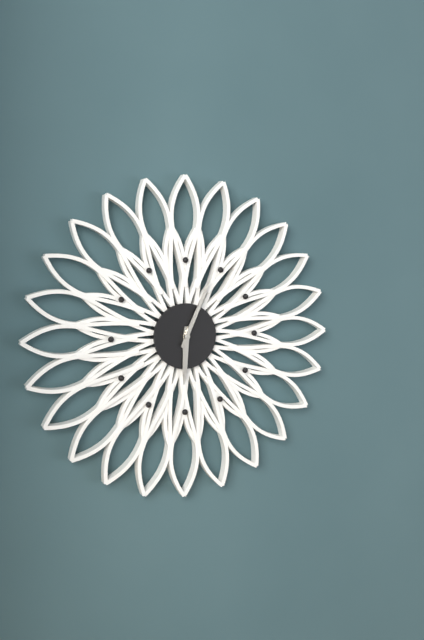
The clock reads 6:04
